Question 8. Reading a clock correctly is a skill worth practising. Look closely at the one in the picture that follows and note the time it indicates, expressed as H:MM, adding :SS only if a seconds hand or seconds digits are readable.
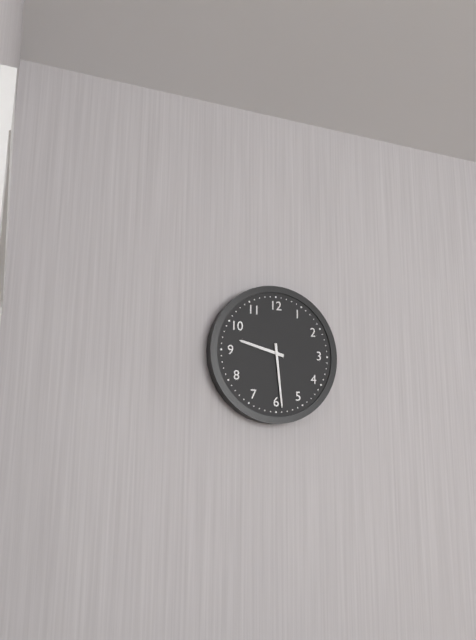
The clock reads 9:29
